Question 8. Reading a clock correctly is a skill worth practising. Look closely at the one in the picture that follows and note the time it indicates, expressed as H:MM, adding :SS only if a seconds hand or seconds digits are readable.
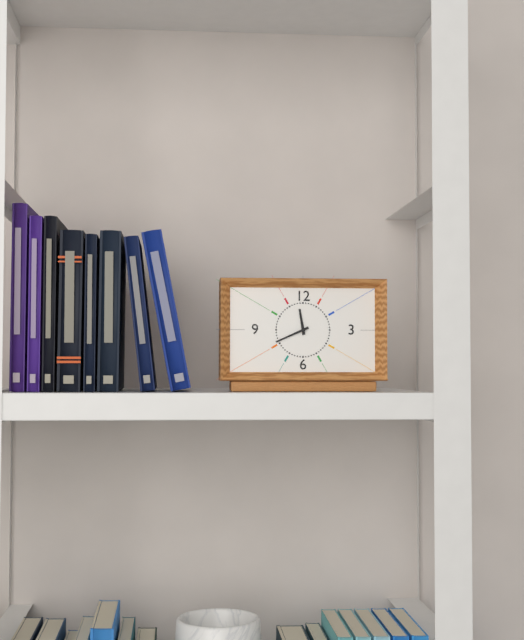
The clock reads 11:41
